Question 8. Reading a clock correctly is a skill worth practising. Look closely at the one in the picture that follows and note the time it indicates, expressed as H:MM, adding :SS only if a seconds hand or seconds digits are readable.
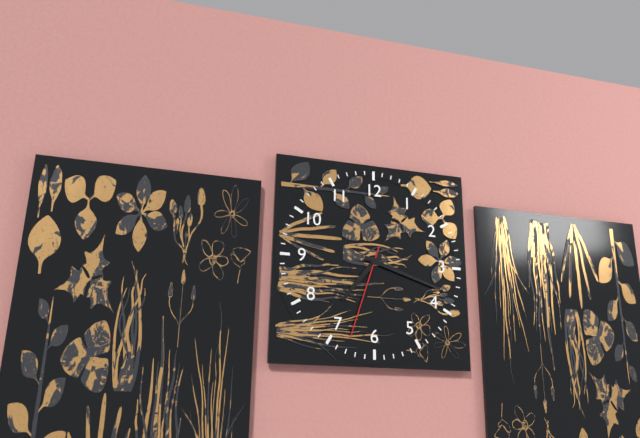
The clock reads 7:18:33
